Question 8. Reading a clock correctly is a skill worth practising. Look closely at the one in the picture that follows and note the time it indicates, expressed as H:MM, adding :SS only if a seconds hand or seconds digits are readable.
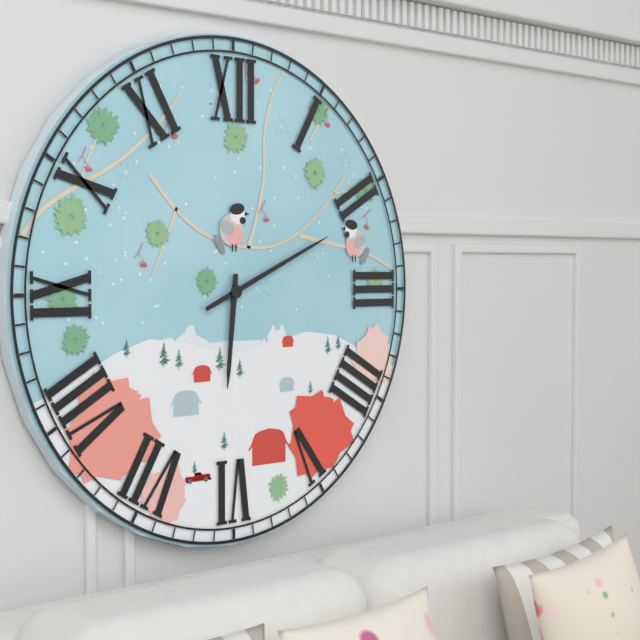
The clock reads 6:11
